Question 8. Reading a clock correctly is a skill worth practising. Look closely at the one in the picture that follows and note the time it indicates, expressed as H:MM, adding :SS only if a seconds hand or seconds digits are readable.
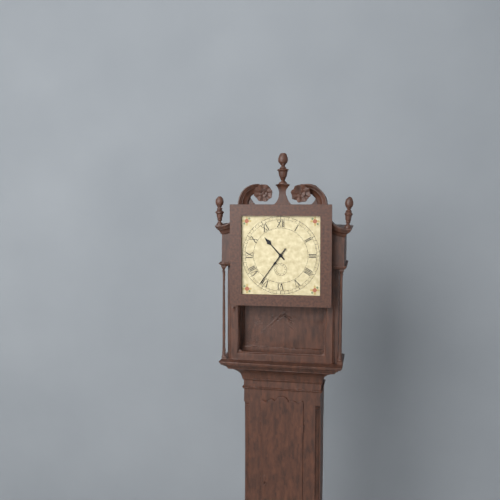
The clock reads 10:36
